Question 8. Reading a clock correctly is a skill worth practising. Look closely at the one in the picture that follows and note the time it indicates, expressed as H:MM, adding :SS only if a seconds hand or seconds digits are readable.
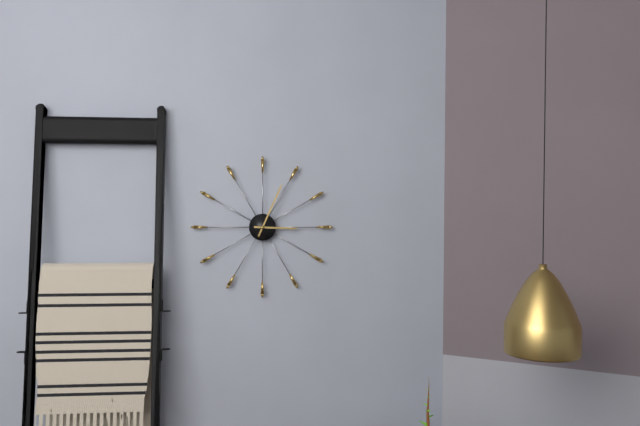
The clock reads 3:04
